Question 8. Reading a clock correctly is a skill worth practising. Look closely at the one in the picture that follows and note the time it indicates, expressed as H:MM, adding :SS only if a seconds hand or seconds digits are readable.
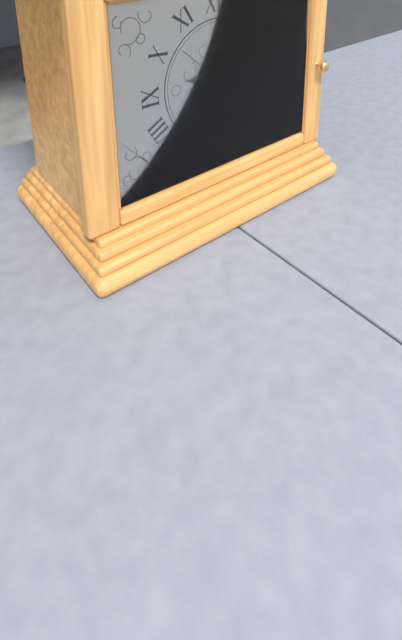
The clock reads 9:22:52
